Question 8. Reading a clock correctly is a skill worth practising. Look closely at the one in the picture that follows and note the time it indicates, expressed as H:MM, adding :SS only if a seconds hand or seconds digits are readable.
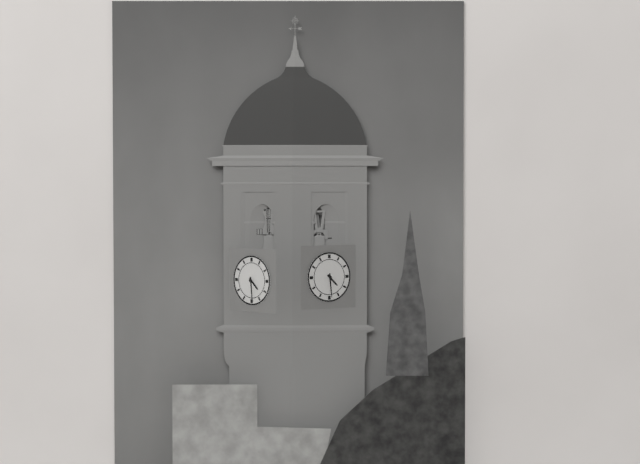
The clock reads 4:29
